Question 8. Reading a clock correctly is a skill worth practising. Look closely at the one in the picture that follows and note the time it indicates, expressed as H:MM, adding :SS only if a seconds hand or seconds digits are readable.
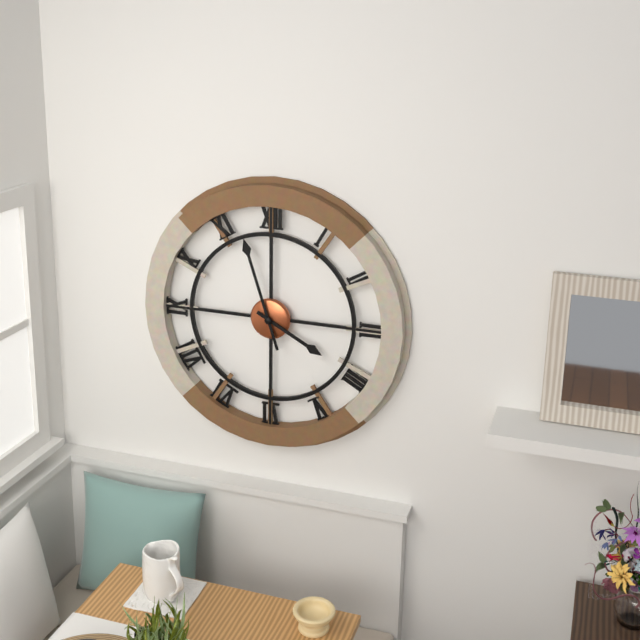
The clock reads 3:57
